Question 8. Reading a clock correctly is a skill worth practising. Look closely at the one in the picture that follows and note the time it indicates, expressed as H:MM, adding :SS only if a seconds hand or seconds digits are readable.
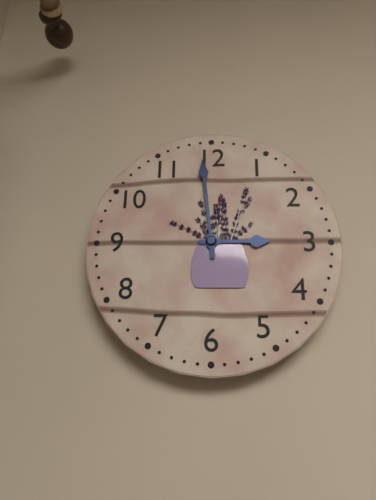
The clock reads 2:59
